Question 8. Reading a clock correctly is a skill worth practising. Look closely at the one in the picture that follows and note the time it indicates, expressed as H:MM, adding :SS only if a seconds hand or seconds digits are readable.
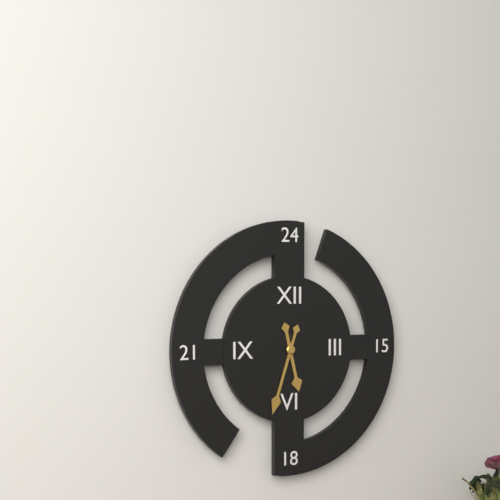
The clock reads 5:33
